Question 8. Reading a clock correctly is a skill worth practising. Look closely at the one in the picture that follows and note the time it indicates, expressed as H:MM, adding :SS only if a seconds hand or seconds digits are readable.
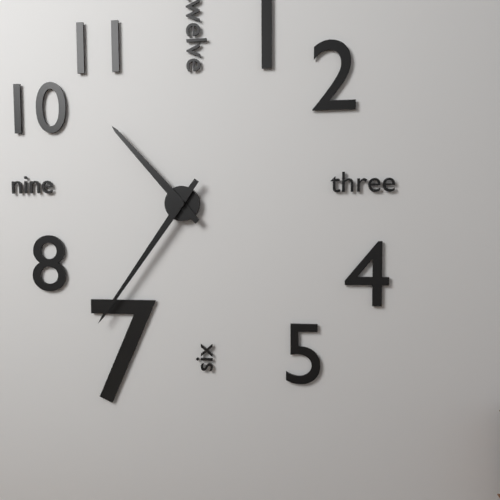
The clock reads 10:36
